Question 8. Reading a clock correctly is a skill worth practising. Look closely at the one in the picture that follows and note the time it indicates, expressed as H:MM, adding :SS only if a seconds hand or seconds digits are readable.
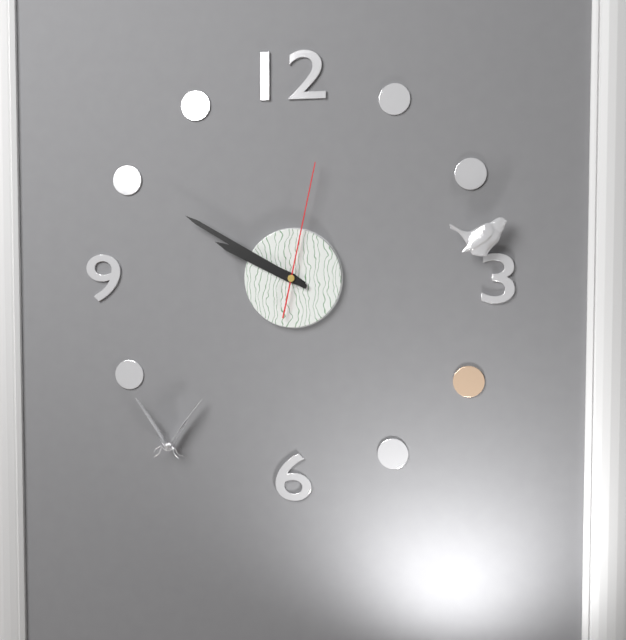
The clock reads 9:50:02
